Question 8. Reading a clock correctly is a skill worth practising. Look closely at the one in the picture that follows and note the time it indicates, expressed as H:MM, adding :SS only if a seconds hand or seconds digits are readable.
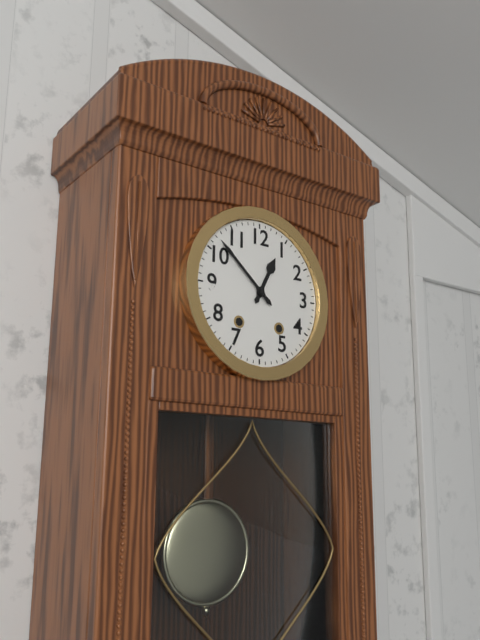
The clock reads 12:52
